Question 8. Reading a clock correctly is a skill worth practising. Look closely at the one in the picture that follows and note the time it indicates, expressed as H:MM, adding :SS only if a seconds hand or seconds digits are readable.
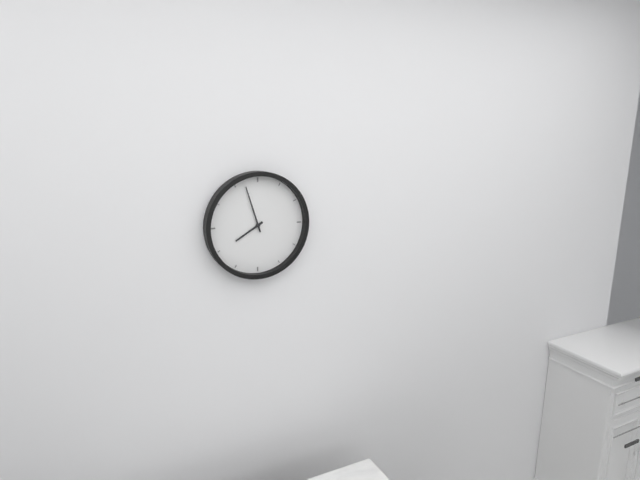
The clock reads 7:57
